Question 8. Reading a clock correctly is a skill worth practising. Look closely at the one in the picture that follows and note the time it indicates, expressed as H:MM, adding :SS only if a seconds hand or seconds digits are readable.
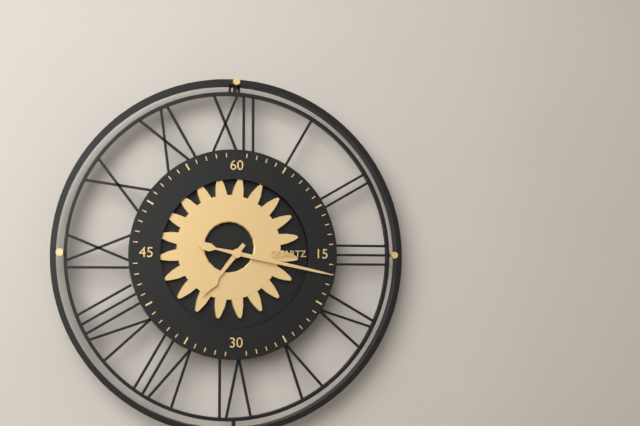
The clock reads 7:17
